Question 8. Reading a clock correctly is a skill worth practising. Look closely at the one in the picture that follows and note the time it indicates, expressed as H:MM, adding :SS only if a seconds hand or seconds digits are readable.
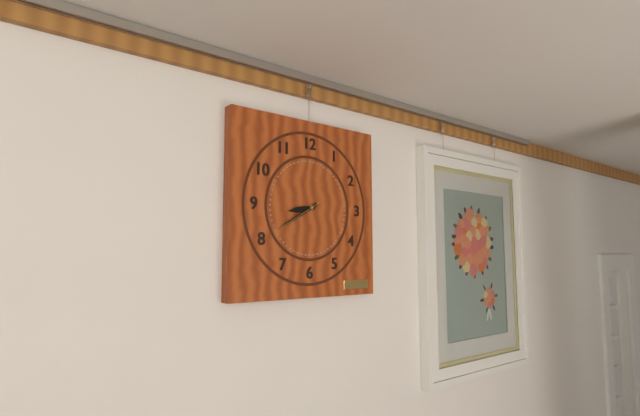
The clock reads 8:40
